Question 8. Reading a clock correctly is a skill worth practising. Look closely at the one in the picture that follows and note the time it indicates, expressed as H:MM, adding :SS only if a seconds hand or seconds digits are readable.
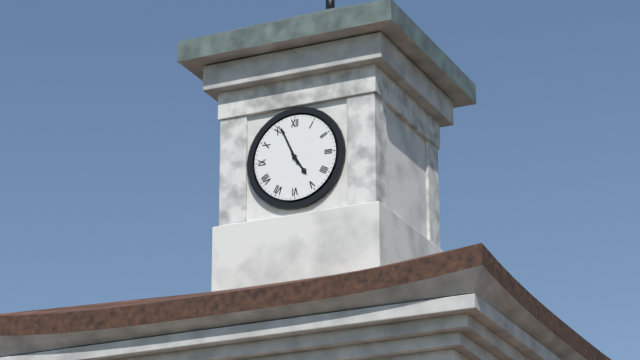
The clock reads 4:56
